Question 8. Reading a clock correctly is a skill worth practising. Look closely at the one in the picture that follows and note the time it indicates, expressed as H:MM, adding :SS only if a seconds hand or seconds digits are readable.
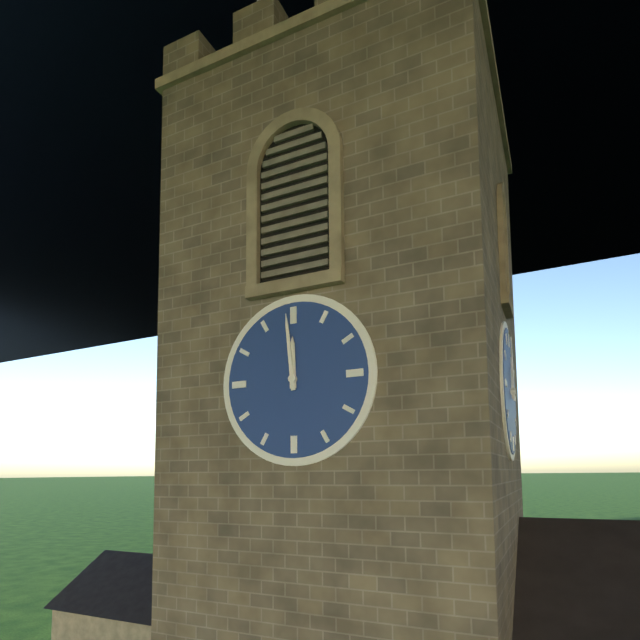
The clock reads 11:59
